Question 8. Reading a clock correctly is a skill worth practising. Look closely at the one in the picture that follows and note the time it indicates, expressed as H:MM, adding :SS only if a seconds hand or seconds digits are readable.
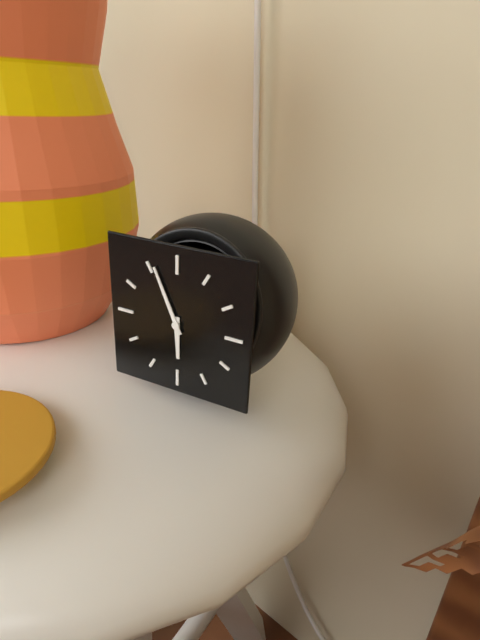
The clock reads 5:56
